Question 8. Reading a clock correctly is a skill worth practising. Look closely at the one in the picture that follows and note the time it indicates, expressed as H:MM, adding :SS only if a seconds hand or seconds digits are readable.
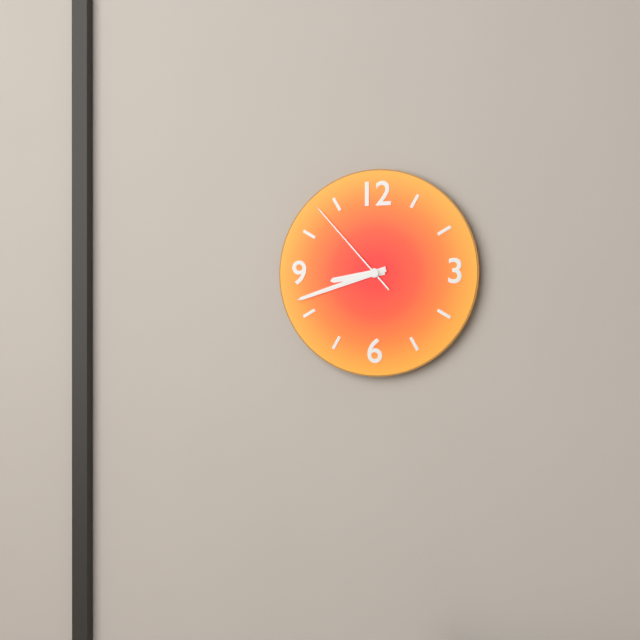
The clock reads 8:42:53
